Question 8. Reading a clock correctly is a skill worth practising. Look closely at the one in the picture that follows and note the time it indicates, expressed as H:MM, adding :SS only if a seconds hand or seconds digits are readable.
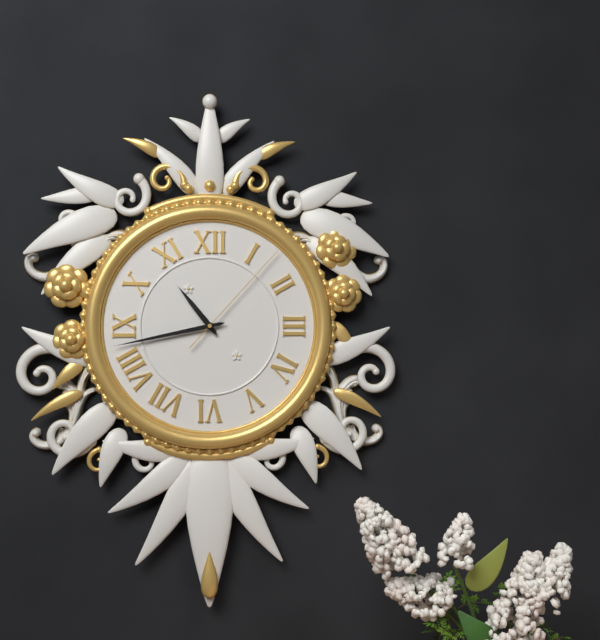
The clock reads 10:43:07
